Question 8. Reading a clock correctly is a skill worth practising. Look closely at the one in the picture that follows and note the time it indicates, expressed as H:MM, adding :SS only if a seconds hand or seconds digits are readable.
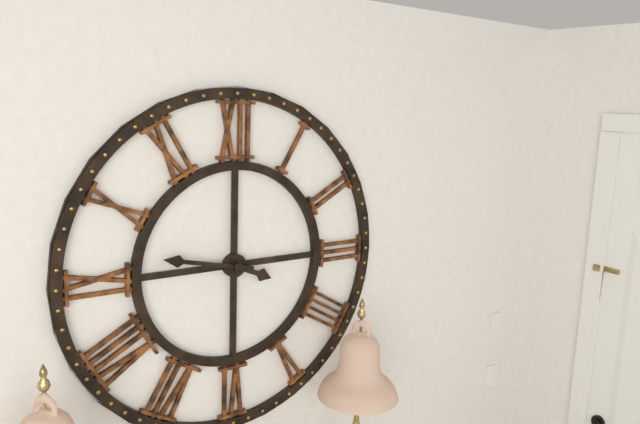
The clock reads 3:47
